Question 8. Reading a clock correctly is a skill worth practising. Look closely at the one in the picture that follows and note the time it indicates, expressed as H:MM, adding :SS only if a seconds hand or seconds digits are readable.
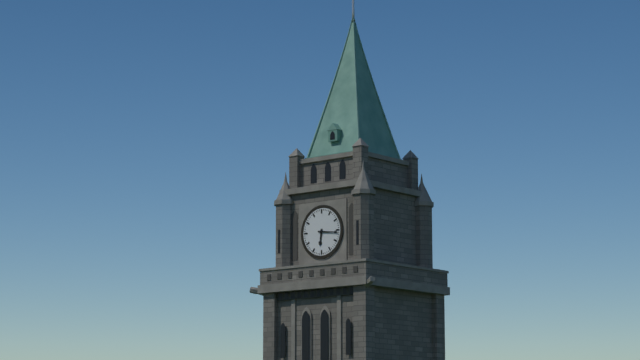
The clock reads 6:16
